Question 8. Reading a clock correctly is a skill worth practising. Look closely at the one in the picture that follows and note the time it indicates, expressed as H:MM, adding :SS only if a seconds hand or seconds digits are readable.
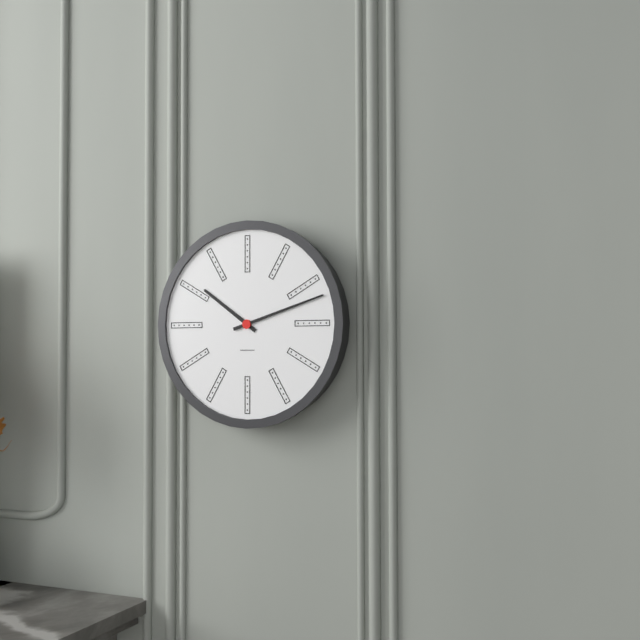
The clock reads 10:12
